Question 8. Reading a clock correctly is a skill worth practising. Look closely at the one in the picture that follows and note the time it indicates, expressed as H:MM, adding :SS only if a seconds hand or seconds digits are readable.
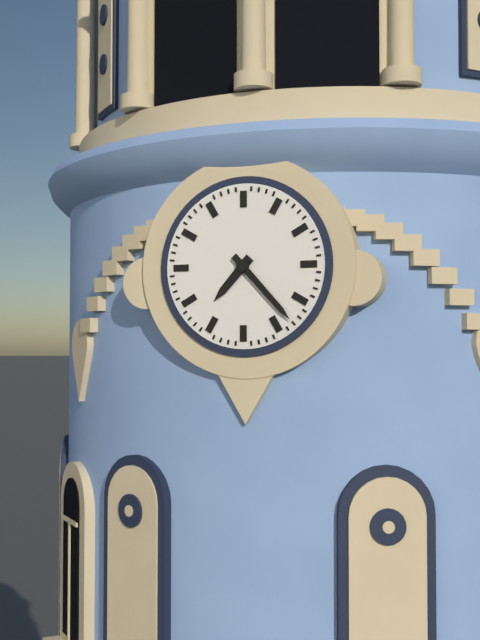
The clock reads 7:23
